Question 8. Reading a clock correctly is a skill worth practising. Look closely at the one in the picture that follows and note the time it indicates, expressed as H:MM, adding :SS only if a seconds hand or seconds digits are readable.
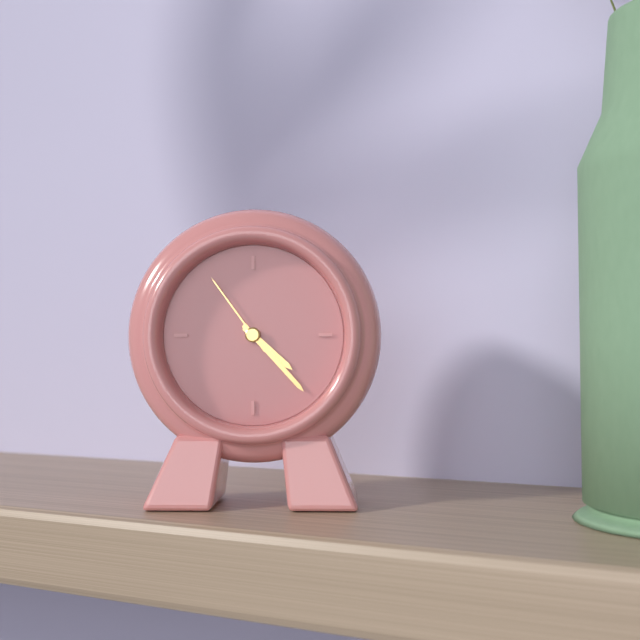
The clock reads 4:23:54
